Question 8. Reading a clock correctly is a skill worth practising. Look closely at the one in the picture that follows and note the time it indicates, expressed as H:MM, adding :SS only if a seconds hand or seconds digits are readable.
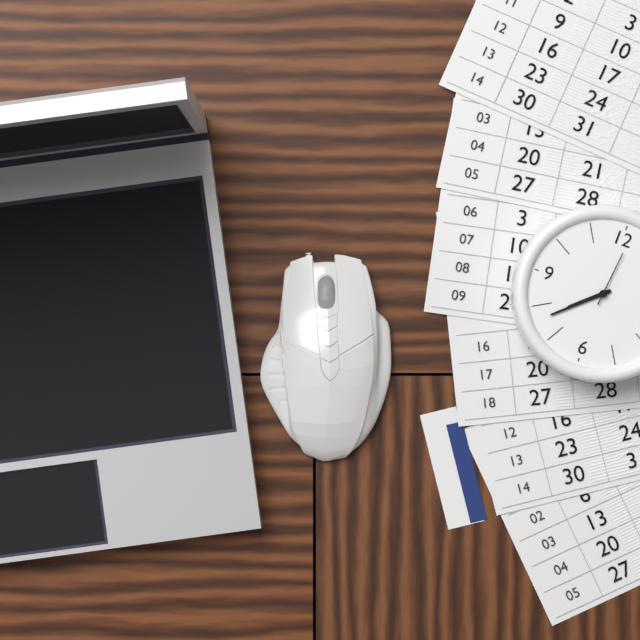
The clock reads 7:38:01
